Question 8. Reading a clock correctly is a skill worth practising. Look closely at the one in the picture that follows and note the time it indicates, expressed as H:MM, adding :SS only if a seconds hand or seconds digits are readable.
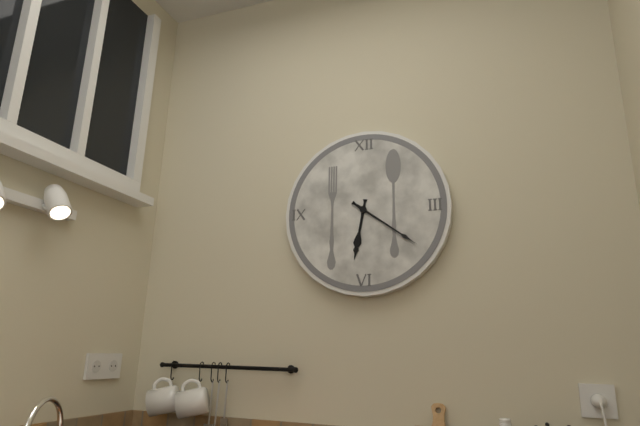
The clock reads 6:21
